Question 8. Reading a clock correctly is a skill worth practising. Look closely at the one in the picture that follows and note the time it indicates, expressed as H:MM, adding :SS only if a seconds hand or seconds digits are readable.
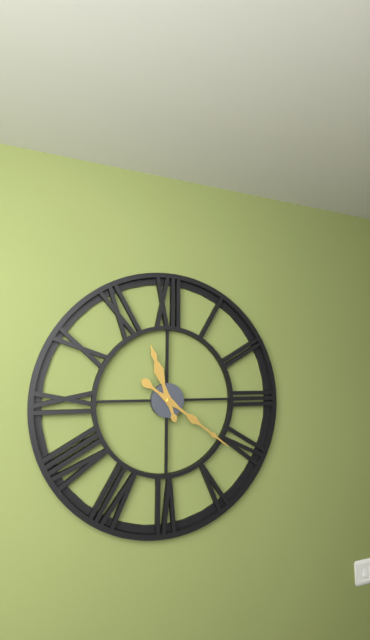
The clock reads 11:21
